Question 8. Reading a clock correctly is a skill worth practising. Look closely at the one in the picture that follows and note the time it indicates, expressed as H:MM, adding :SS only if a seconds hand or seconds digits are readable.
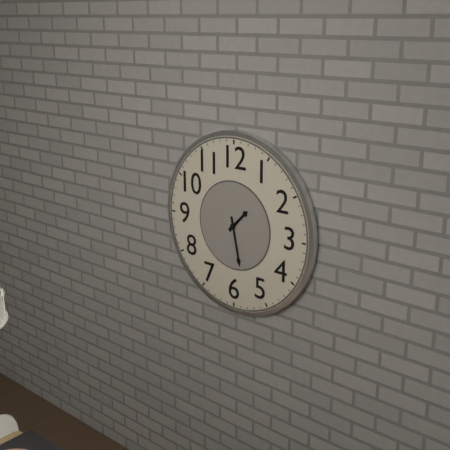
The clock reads 1:28
